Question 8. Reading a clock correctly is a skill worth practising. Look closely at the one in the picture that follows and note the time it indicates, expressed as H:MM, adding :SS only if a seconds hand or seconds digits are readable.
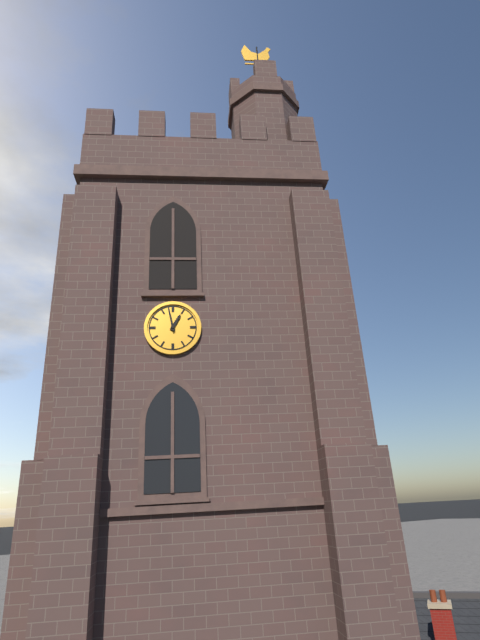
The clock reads 12:58
